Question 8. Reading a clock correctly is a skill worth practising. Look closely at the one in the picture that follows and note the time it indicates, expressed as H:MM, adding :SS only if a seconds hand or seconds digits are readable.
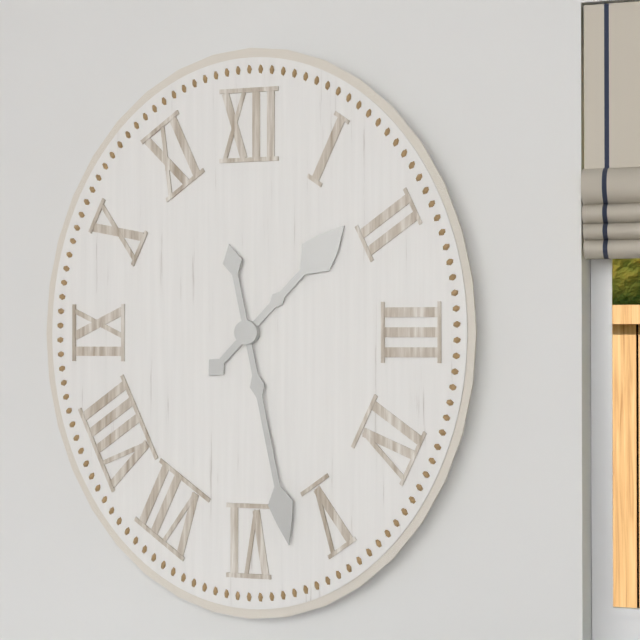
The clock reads 1:28
